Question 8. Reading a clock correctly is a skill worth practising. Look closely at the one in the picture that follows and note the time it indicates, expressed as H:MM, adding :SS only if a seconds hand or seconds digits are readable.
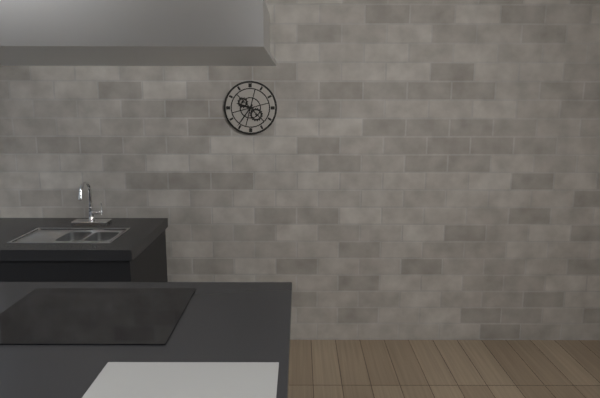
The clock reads 9:36
